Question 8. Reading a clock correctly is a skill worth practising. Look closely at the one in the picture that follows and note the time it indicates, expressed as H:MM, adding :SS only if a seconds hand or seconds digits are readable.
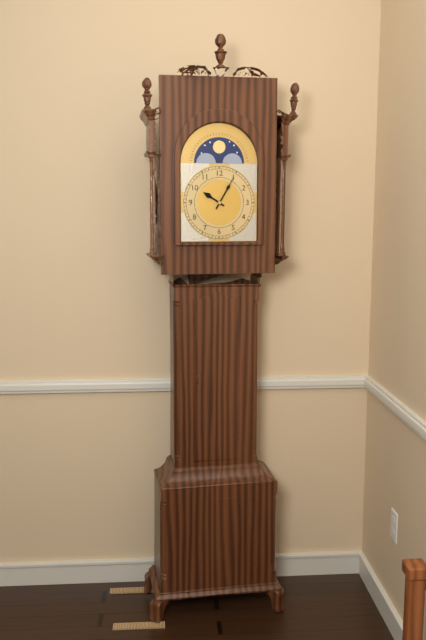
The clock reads 10:05
